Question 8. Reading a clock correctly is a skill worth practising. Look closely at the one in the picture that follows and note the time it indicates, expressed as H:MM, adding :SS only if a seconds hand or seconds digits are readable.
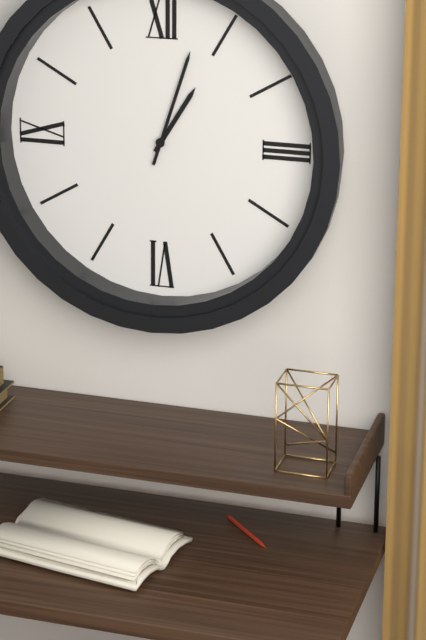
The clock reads 1:03
